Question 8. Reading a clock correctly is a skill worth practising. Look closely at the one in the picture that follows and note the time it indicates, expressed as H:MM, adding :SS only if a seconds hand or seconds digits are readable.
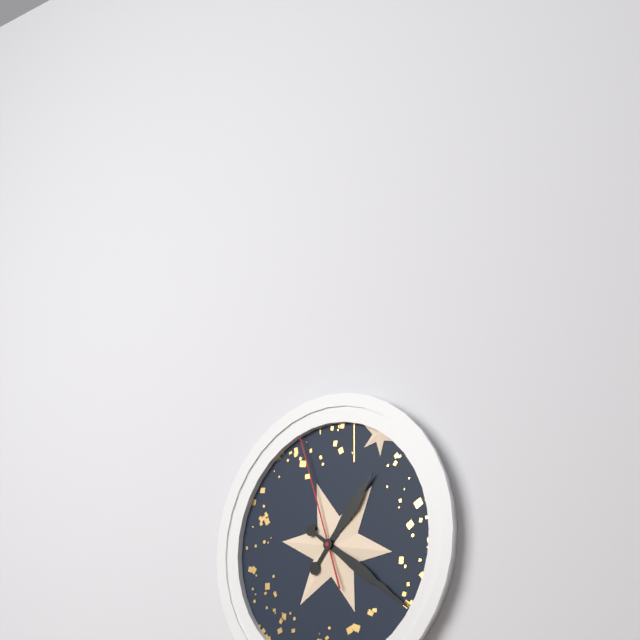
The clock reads 1:21:57
